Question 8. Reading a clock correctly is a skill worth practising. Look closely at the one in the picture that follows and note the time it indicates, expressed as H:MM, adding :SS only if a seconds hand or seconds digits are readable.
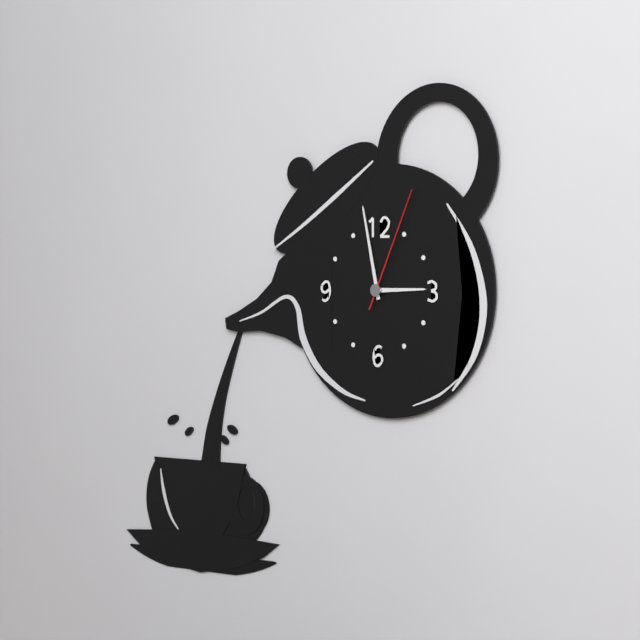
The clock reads 2:58:04
